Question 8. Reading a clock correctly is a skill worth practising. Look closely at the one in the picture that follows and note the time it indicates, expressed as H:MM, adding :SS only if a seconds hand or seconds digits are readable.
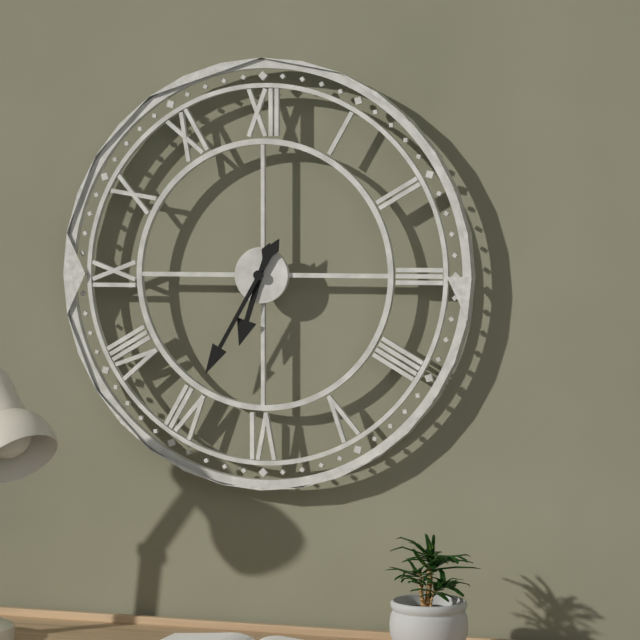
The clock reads 6:35
